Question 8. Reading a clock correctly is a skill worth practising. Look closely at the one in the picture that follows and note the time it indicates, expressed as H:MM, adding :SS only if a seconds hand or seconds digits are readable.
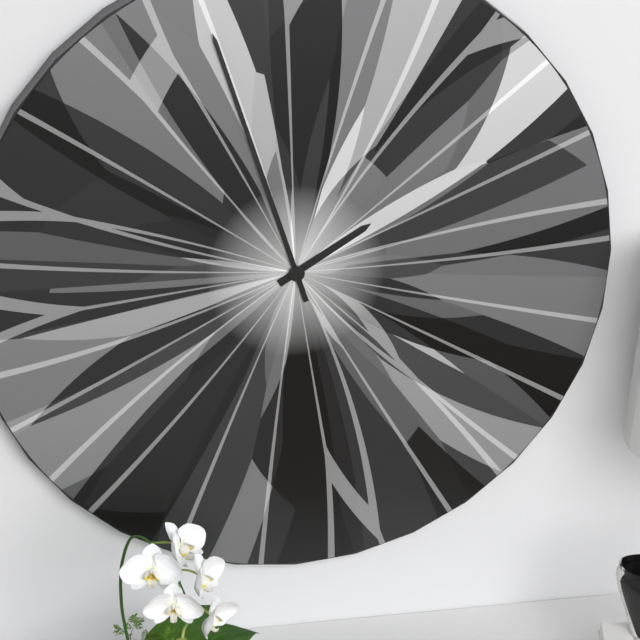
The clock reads 1:57
